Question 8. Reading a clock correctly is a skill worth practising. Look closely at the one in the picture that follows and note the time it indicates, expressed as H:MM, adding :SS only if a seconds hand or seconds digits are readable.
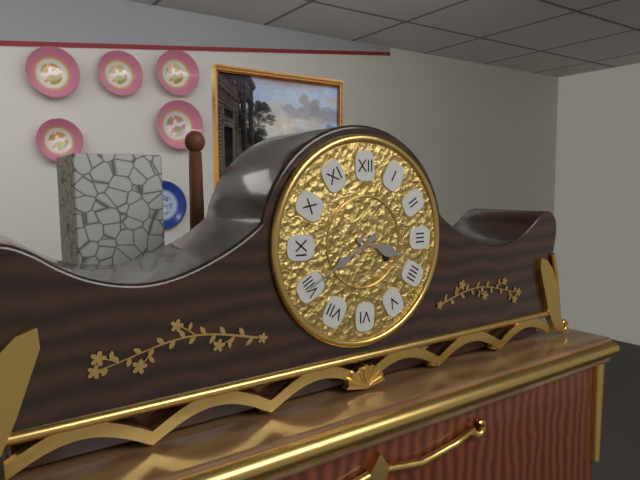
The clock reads 3:40
